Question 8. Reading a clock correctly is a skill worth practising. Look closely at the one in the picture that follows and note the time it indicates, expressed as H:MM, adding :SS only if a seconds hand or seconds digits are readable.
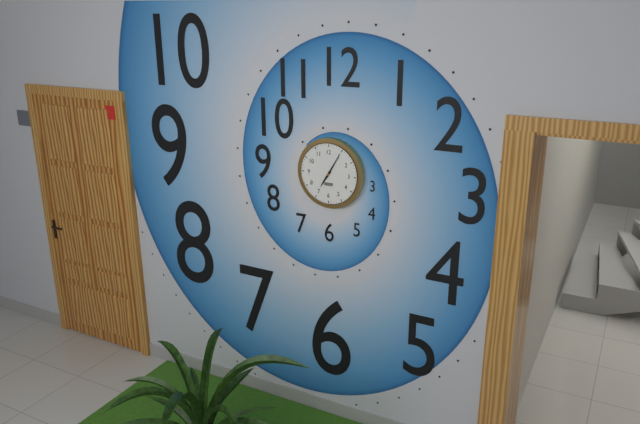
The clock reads 7:05
